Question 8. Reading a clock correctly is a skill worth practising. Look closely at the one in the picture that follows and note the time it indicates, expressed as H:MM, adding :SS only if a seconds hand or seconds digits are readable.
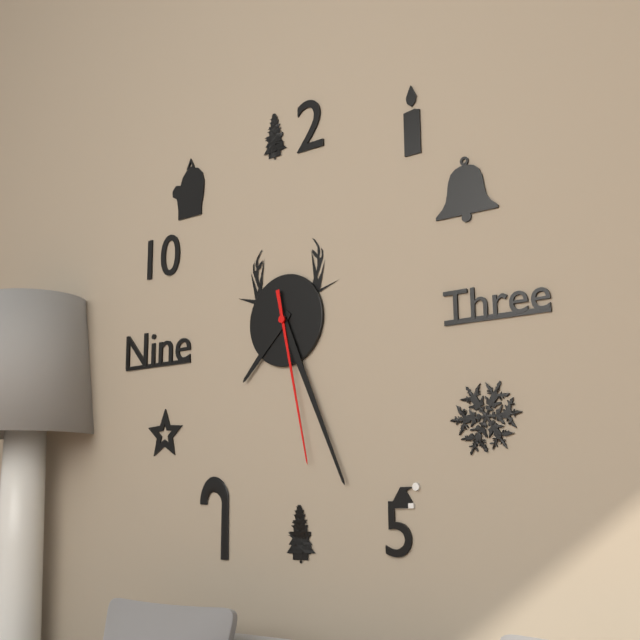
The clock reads 7:26:28
